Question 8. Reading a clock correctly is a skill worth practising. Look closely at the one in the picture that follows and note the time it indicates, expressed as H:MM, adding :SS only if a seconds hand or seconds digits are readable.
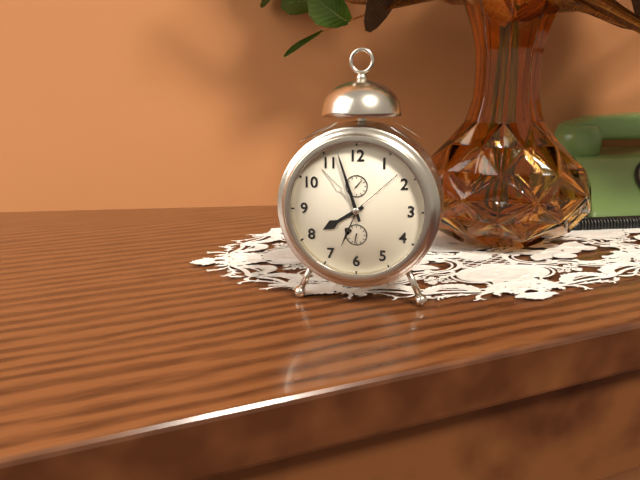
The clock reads 7:57
